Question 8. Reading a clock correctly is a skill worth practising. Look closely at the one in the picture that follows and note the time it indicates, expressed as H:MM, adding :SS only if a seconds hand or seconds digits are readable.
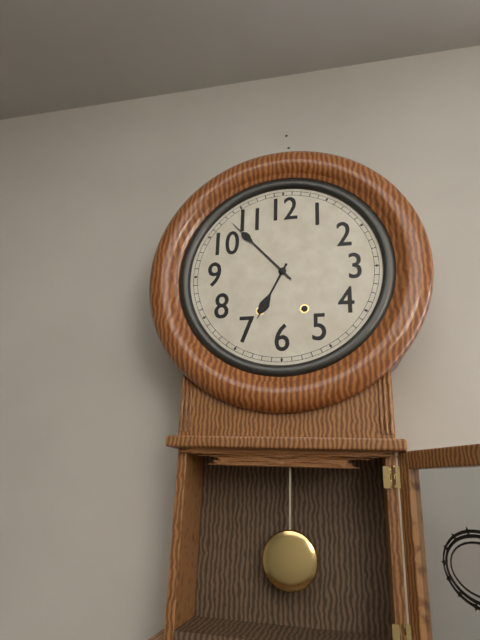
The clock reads 6:53
